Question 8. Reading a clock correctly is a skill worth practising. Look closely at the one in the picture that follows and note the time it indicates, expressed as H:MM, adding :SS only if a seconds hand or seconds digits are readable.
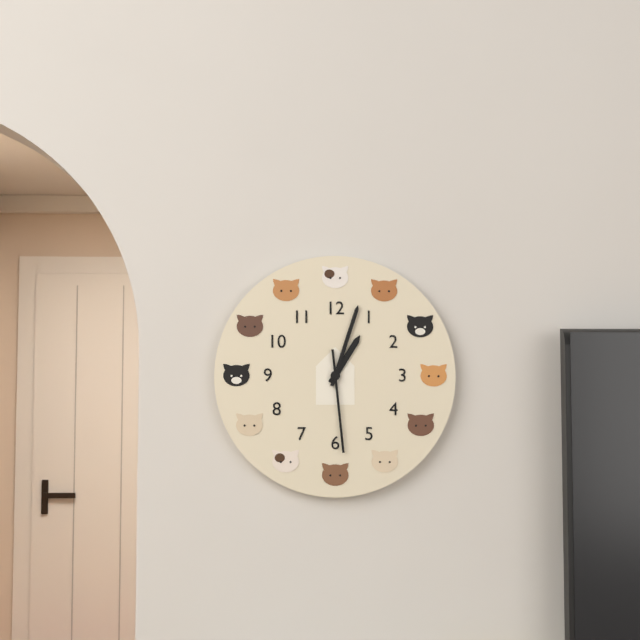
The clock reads 1:03:29
